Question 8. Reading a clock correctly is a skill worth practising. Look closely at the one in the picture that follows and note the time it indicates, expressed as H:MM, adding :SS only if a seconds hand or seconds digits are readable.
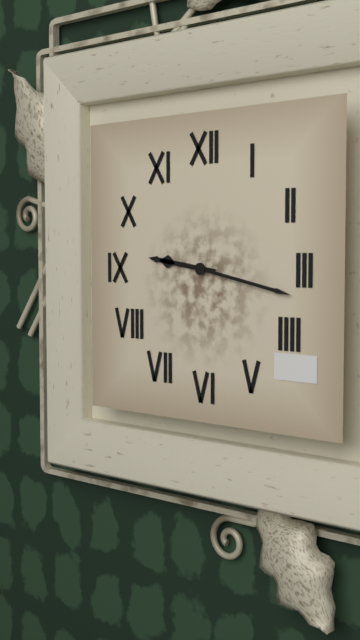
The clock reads 9:17
